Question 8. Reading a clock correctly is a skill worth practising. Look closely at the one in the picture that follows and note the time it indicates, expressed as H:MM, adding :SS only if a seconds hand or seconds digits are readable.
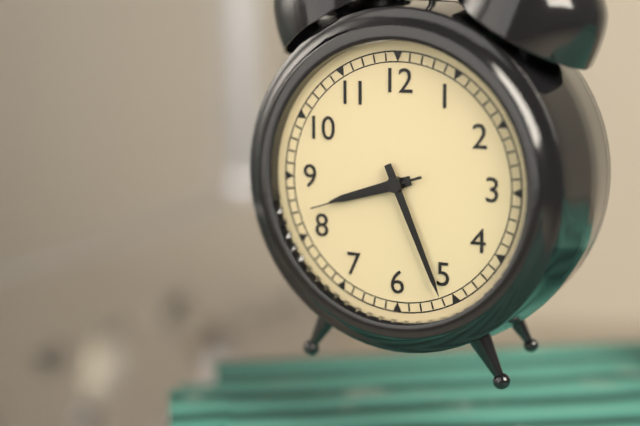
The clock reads 8:26:42
